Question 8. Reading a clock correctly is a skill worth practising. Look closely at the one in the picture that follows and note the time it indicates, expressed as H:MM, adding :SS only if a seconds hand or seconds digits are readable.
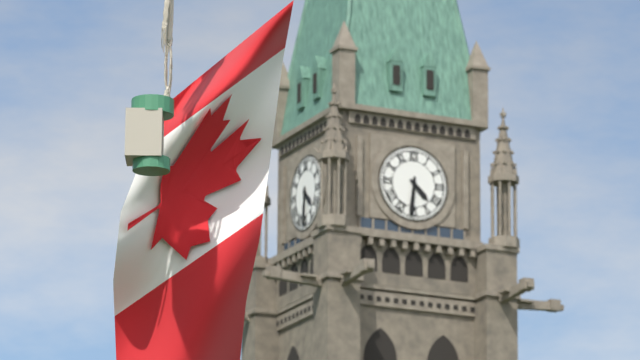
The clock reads 4:31
